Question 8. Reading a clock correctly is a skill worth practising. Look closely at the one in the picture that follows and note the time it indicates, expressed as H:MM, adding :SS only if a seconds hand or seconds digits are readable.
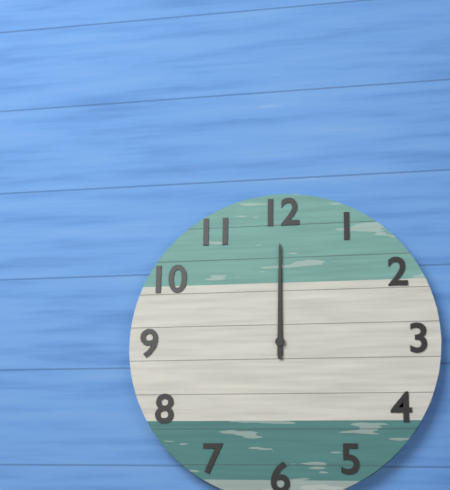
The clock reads 12:00
